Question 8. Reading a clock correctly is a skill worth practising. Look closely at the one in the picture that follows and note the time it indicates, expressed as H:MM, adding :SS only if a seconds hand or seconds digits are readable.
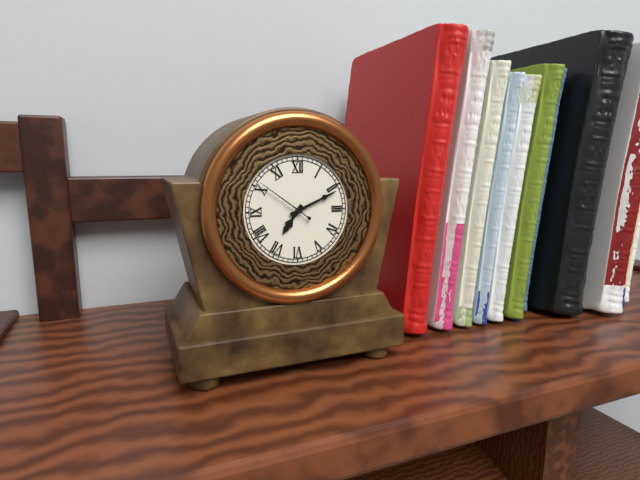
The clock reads 7:11:51
